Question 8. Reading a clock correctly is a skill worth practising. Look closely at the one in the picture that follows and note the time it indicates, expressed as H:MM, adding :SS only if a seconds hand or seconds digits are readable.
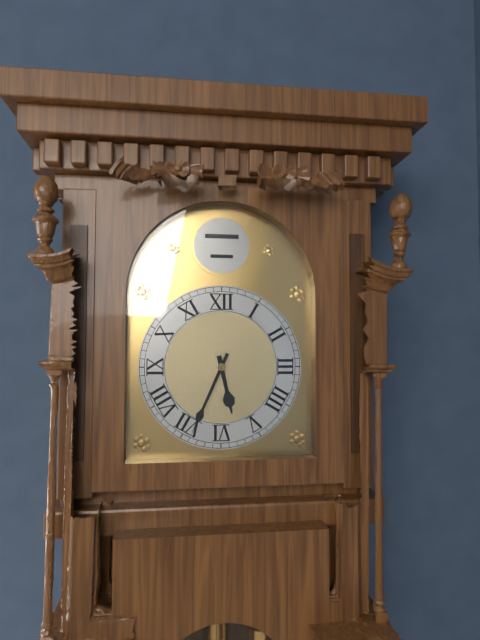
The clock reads 5:34
